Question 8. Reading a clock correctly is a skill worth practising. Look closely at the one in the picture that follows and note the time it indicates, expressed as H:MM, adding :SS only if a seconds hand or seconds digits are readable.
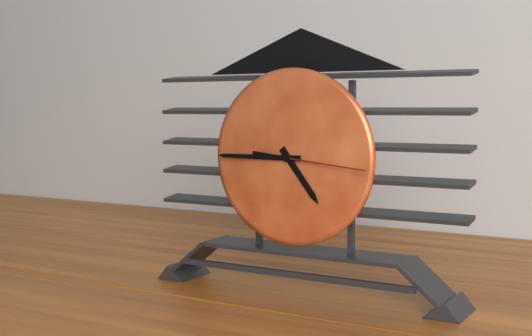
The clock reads 4:45:16
